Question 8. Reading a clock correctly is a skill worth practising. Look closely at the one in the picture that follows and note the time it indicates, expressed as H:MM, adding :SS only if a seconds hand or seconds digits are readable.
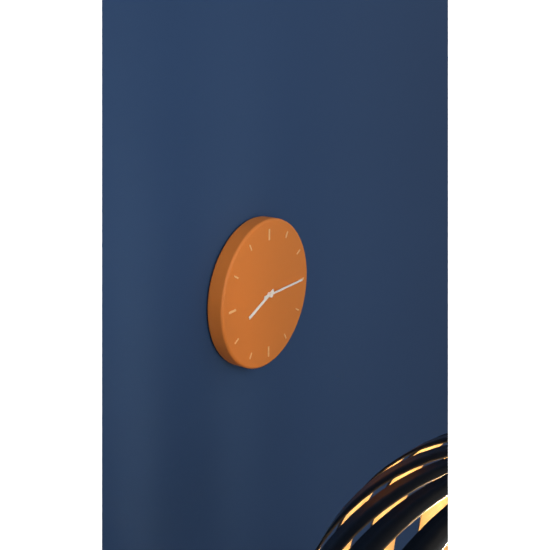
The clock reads 8:15
